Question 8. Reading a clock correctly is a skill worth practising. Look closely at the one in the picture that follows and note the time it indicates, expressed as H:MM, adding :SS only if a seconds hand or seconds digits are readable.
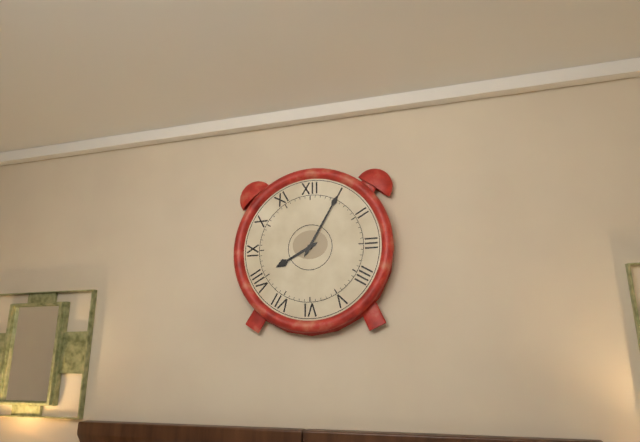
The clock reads 8:05
